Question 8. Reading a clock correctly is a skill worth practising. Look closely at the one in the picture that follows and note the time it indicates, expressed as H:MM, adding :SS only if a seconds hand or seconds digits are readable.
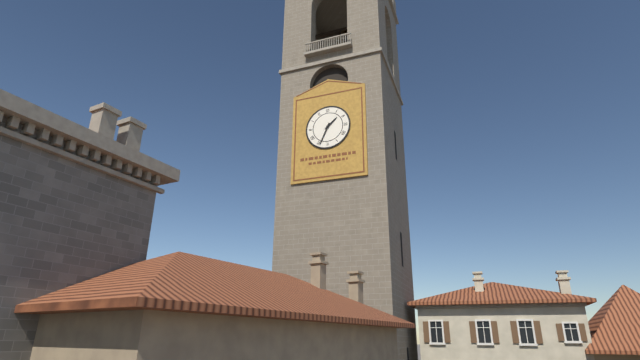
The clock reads 1:34
